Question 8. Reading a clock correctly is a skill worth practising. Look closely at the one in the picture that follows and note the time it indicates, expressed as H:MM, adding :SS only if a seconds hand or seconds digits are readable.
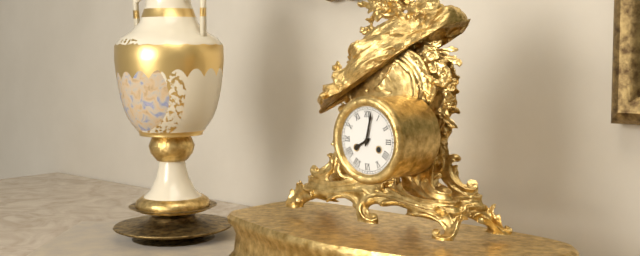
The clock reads 8:02
